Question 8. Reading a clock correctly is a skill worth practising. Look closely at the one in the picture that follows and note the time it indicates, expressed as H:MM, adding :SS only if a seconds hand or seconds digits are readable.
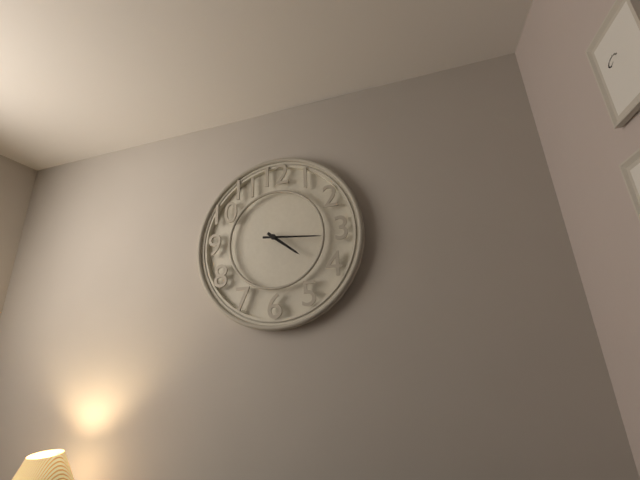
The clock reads 4:16
